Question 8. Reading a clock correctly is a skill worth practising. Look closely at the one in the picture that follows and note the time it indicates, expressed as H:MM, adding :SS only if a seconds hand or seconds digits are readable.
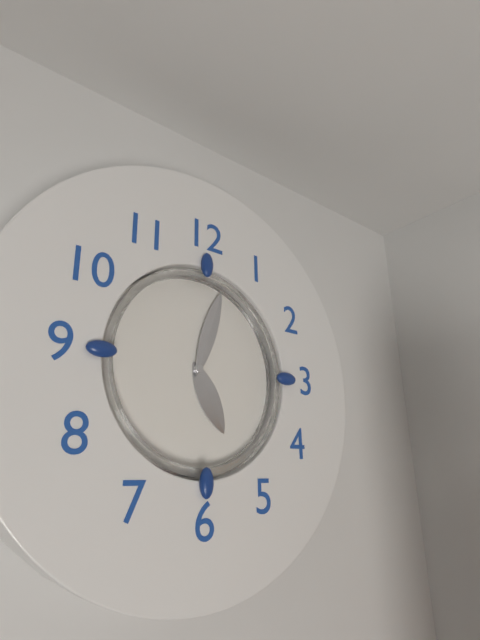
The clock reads 5:03
